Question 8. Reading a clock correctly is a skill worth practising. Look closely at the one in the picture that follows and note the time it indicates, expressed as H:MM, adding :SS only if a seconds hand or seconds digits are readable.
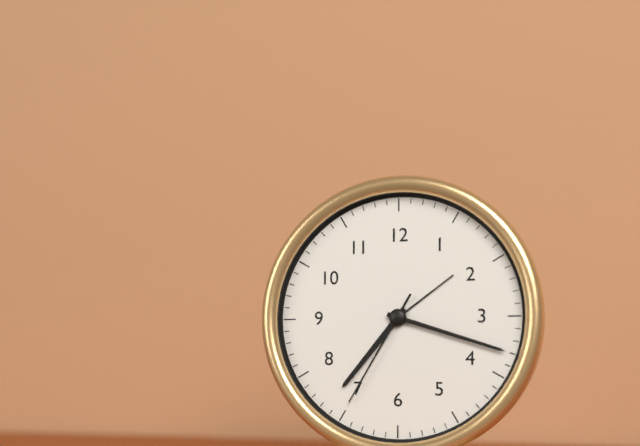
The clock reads 7:18:35
